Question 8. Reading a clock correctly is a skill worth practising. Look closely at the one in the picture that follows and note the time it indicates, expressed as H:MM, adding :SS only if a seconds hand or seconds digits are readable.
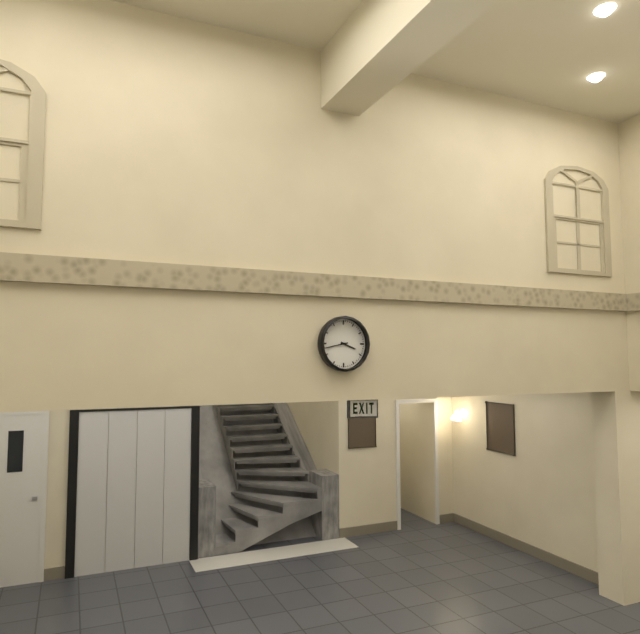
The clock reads 3:43
